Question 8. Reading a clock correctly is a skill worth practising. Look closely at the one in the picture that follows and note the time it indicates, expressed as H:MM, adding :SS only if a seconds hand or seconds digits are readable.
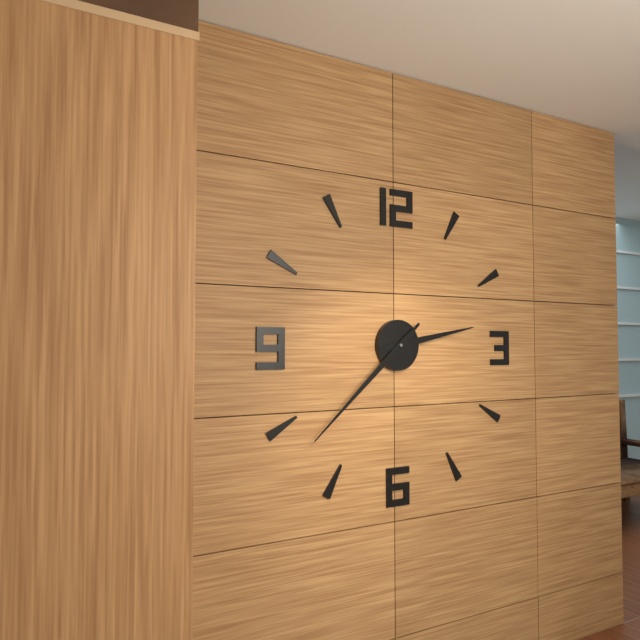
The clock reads 2:38
